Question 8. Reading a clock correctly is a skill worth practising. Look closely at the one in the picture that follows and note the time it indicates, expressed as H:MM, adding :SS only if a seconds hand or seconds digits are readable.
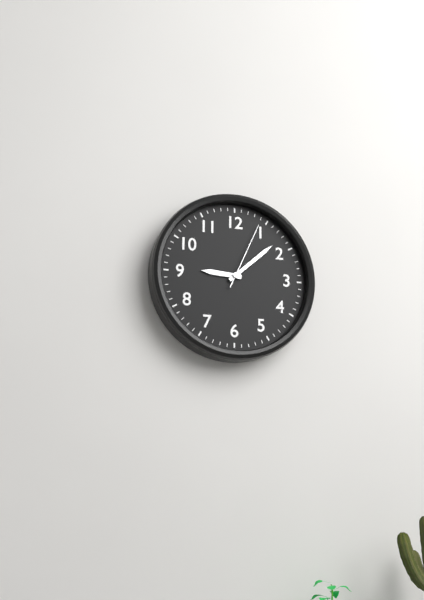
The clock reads 9:08:04
